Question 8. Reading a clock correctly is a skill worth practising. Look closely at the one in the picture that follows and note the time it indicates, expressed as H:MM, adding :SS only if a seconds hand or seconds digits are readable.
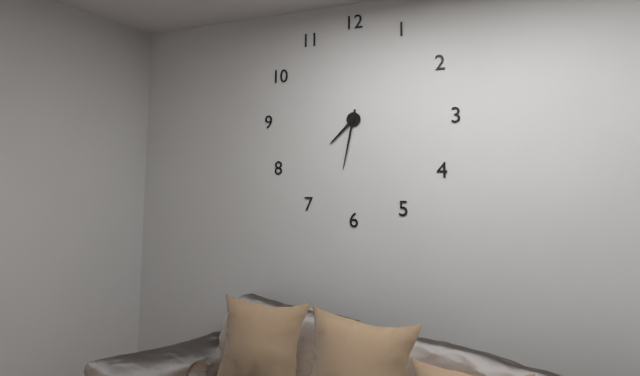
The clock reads 7:32
